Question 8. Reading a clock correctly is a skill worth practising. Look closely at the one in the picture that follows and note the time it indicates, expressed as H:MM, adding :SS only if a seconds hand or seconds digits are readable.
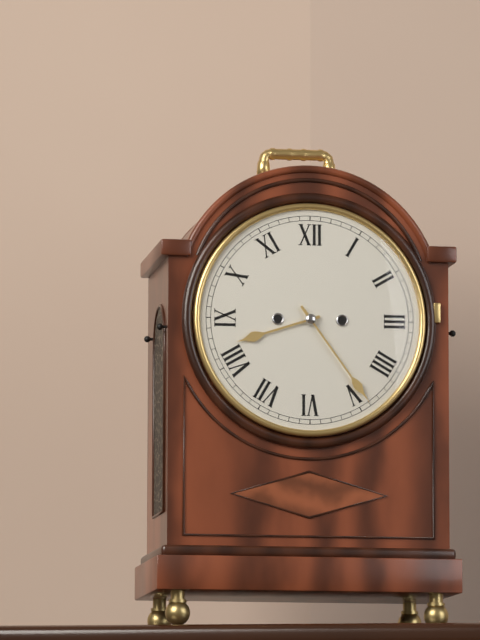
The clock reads 8:24
